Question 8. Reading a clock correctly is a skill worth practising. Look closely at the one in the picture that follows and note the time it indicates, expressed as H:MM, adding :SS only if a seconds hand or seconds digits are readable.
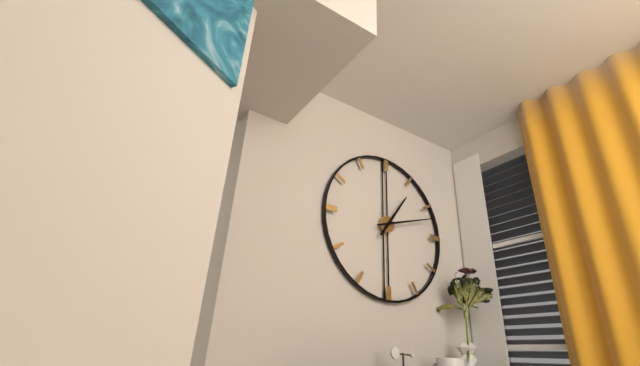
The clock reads 1:12
